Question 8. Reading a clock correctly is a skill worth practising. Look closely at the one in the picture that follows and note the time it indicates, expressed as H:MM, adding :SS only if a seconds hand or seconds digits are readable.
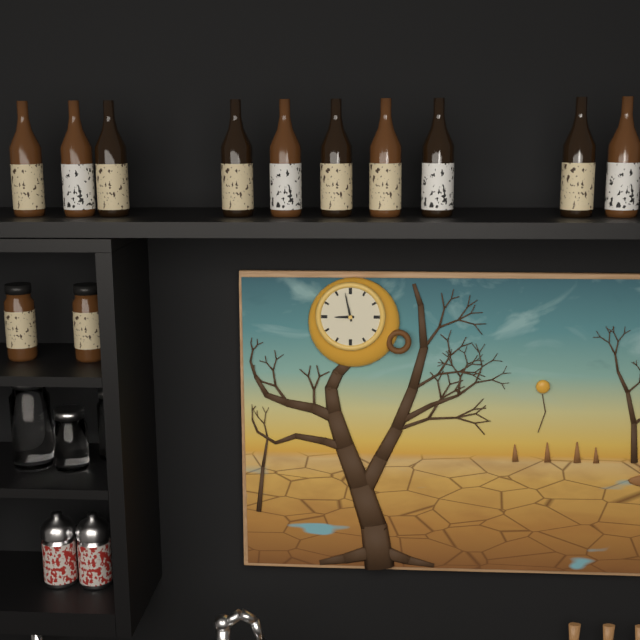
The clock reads 8:58
